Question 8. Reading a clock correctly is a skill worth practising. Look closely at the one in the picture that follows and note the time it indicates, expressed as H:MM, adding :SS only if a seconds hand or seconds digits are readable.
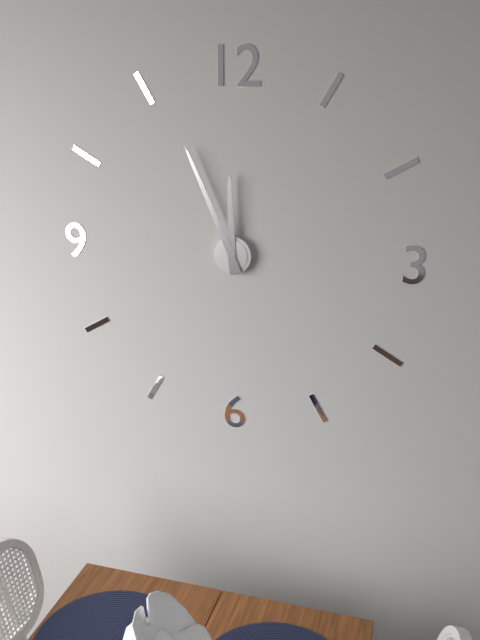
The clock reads 11:56
